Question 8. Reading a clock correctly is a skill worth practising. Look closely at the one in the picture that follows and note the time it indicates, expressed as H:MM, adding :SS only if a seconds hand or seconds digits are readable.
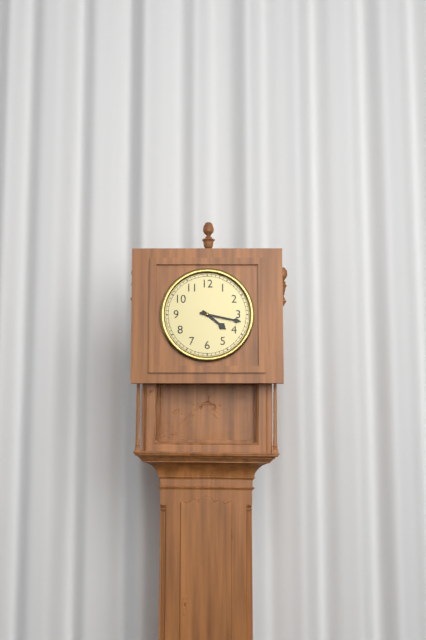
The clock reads 4:17
